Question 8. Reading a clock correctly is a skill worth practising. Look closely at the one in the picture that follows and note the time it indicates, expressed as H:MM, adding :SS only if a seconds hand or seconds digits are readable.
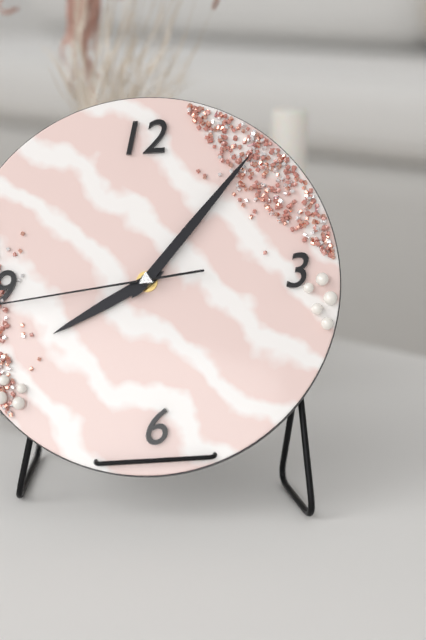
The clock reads 8:07
